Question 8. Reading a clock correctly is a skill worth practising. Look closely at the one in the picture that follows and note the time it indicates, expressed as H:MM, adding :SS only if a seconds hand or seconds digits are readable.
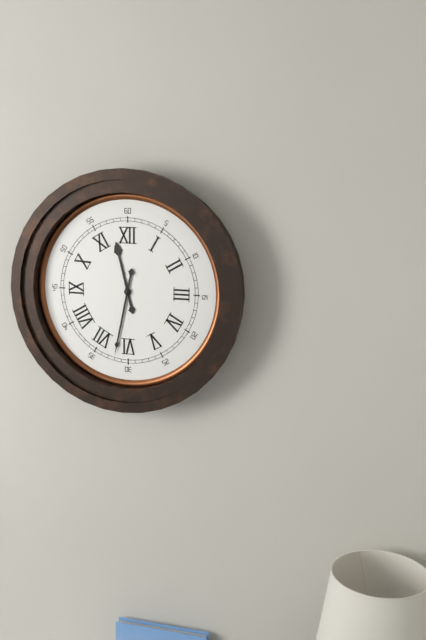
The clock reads 11:32
